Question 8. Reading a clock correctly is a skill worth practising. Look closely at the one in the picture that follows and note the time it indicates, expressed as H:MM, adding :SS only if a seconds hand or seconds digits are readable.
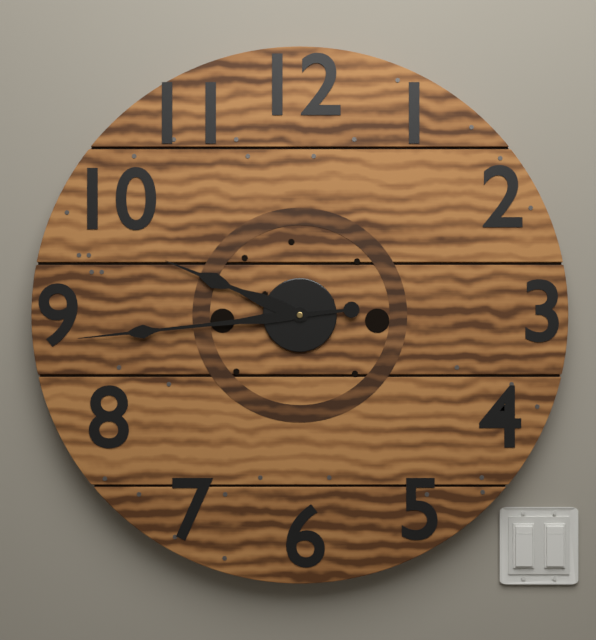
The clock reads 9:44
